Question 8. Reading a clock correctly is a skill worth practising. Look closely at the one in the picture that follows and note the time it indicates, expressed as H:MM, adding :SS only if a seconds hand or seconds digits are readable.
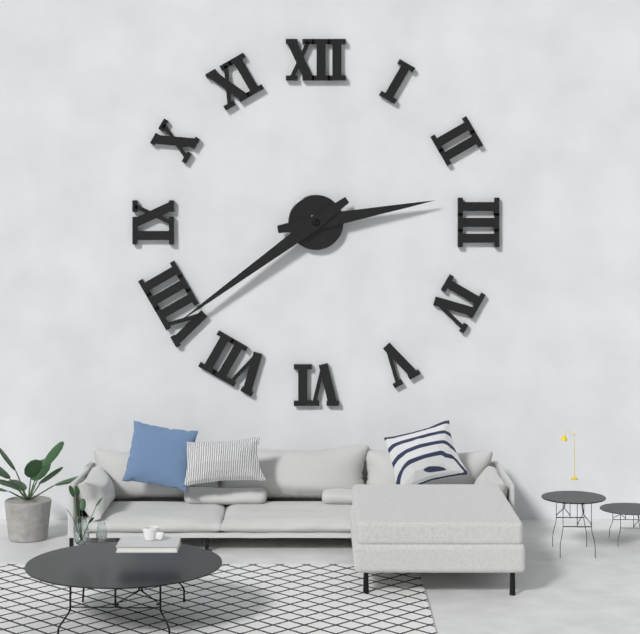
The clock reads 2:39
